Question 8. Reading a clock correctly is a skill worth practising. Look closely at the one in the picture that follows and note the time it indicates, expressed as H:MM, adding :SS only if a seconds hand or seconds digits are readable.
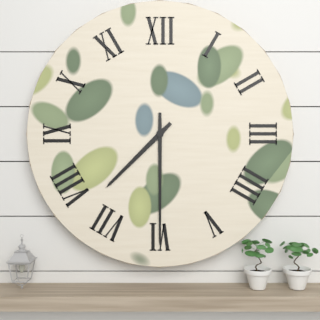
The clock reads 7:30
